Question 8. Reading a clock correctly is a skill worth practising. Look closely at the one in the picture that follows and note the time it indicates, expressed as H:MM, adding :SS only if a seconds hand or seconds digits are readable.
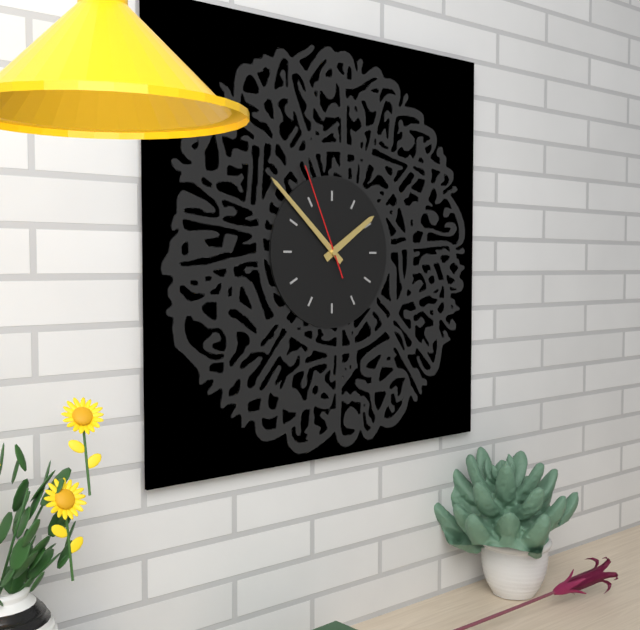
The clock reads 1:52:56
